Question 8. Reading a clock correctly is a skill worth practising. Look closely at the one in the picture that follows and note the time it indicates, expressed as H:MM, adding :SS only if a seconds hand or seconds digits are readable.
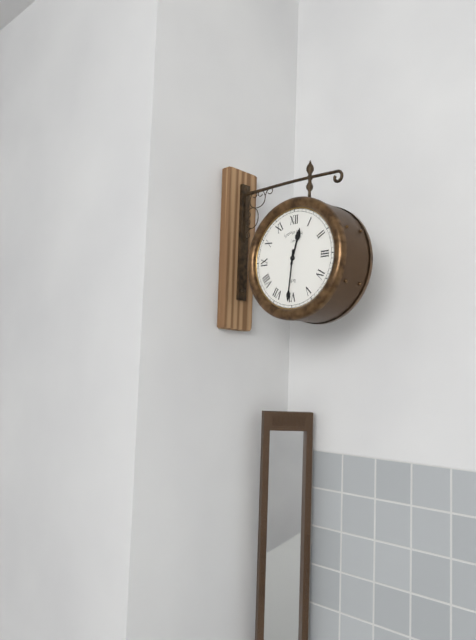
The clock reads 12:31
